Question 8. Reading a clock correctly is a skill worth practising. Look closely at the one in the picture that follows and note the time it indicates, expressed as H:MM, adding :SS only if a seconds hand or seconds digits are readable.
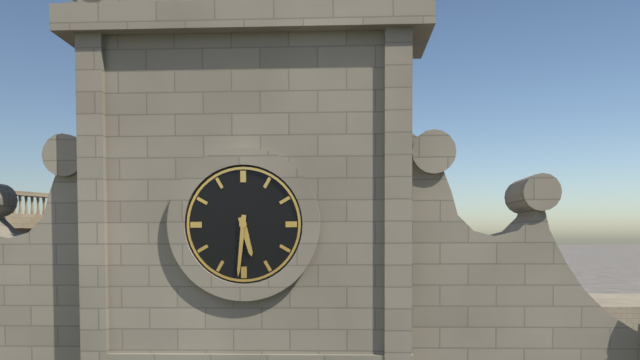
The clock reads 5:31
